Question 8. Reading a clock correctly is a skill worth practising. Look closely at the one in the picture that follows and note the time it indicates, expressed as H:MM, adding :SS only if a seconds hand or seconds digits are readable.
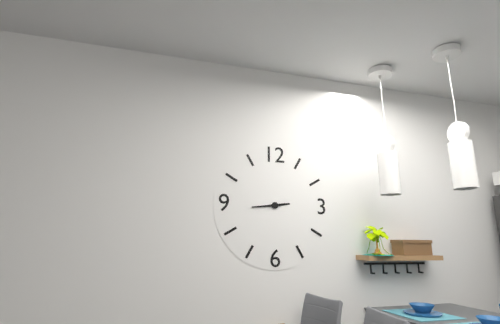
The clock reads 2:44
